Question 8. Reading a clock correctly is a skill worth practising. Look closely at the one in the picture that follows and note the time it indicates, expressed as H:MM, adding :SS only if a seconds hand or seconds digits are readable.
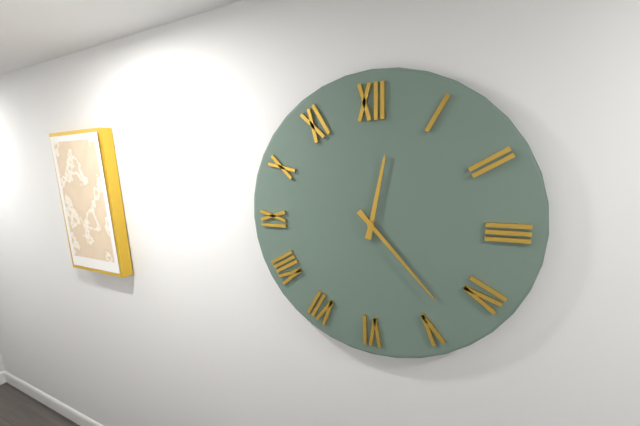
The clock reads 12:23
